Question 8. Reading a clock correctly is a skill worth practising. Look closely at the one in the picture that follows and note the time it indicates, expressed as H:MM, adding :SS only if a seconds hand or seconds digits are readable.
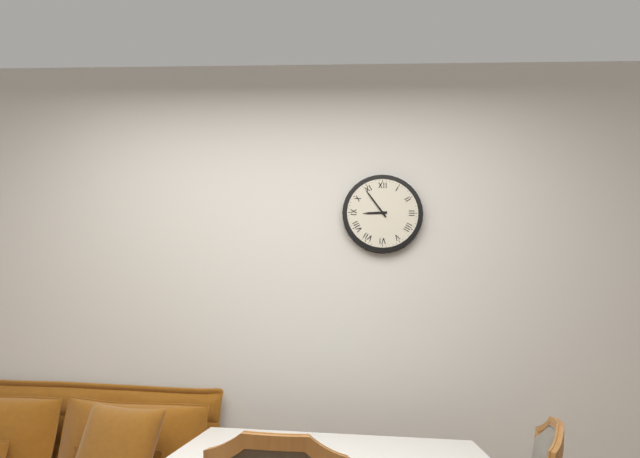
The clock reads 8:54
